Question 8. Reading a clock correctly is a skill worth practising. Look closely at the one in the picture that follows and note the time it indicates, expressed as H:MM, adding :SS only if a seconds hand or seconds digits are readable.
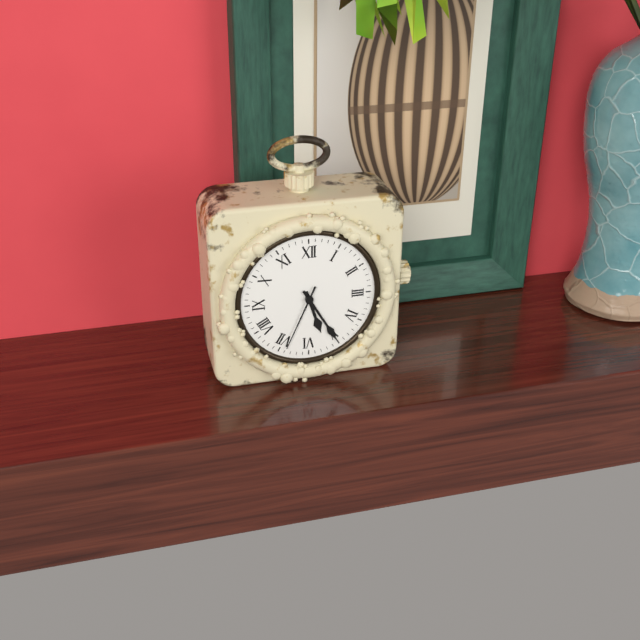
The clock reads 5:25:34
